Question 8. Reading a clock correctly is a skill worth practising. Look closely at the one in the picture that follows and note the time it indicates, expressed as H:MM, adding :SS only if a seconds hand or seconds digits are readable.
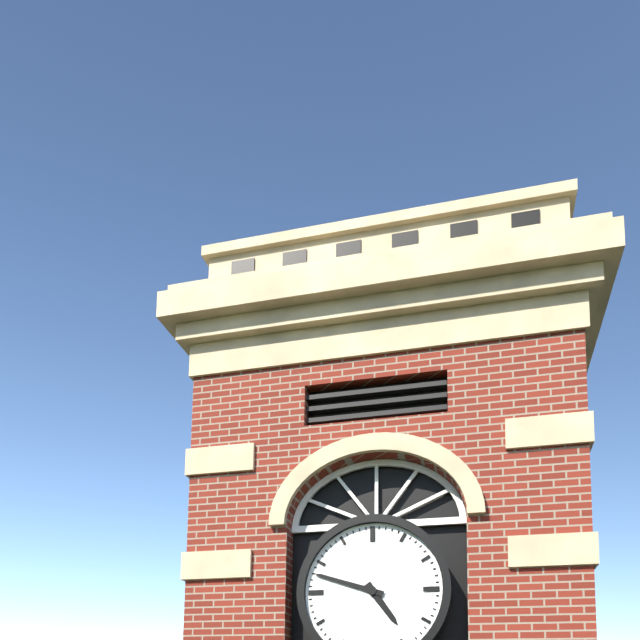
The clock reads 4:48
